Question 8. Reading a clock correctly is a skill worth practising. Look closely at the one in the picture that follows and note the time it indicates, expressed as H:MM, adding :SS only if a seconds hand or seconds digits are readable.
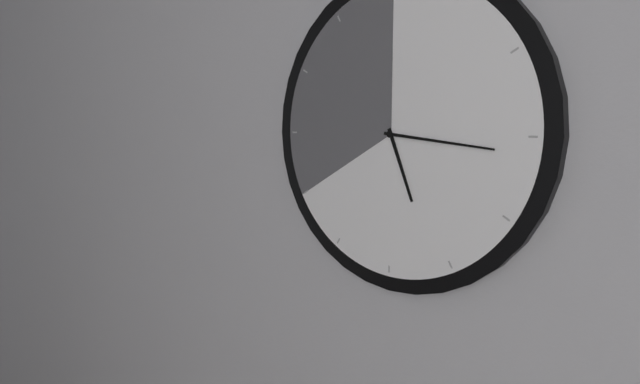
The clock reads 5:16
